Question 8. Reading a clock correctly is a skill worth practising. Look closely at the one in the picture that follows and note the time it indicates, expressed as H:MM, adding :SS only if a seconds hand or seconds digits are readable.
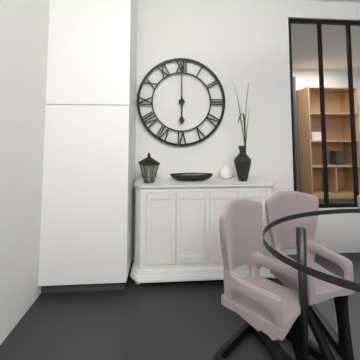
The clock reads 6:00
